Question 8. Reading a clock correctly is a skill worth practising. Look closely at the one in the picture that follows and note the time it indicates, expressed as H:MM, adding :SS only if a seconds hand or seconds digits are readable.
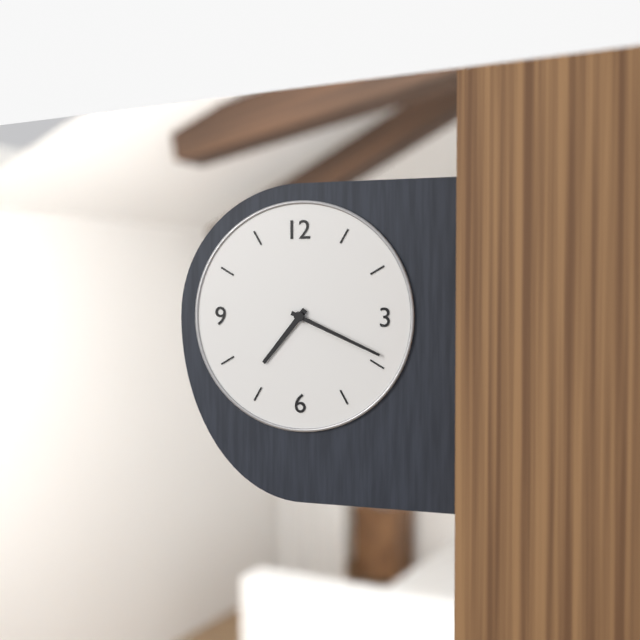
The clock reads 7:19
